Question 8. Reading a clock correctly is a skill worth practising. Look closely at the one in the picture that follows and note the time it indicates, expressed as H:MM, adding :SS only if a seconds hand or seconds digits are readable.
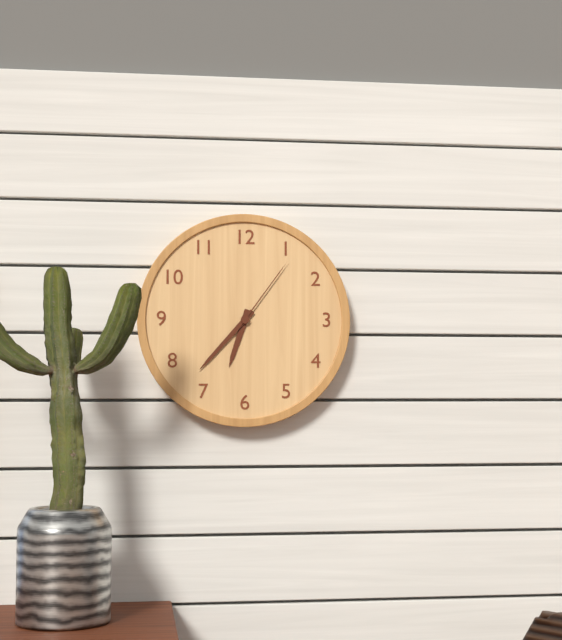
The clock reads 6:37:06
